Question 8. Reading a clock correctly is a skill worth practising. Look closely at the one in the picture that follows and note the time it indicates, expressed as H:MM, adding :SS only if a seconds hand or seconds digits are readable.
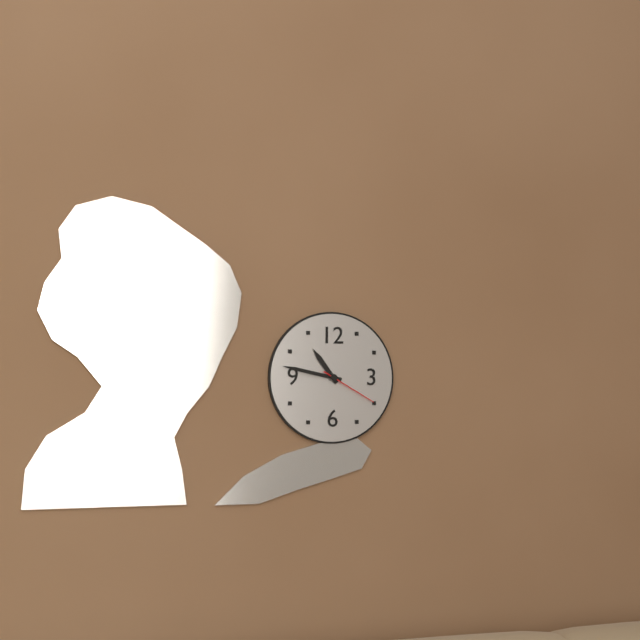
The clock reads 10:47:20
